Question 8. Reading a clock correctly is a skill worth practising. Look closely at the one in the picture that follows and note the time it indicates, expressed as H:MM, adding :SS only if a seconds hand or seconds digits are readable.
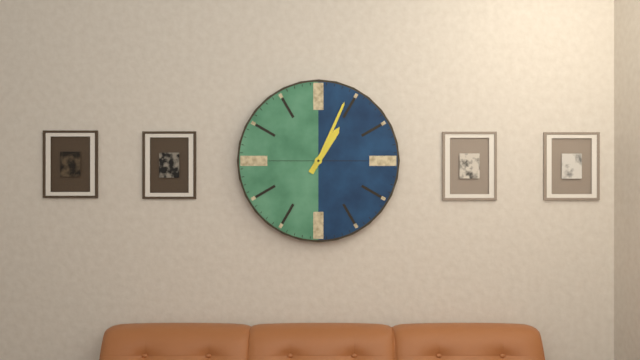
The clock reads 1:04
